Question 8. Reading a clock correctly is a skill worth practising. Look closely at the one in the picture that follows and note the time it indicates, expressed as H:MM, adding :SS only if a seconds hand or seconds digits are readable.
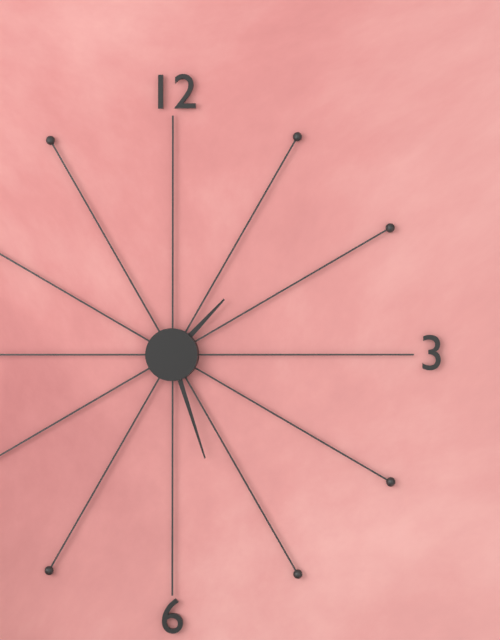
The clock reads 1:27
